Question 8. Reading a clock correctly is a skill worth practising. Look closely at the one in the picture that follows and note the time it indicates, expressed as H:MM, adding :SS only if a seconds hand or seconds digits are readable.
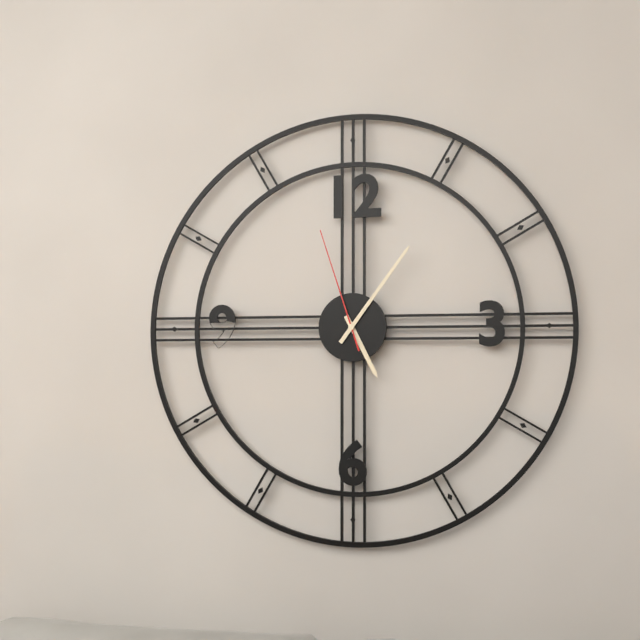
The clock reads 5:06:57
